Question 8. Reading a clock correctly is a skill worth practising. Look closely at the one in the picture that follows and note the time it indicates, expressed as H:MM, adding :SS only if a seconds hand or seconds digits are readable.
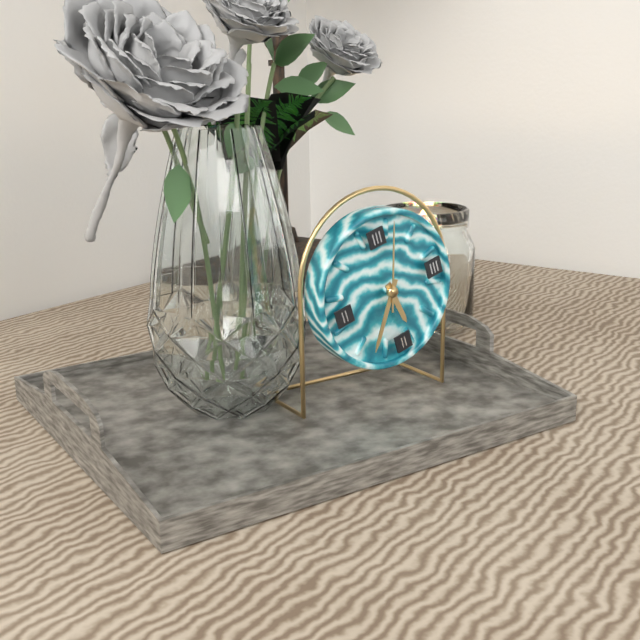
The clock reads 5:36:03
